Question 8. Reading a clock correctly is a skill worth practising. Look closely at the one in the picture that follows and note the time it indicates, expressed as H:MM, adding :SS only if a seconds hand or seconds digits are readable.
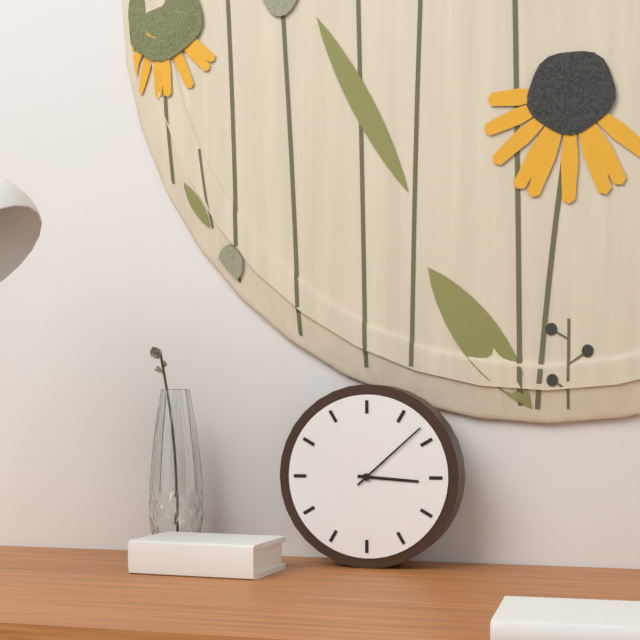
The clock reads 3:08
